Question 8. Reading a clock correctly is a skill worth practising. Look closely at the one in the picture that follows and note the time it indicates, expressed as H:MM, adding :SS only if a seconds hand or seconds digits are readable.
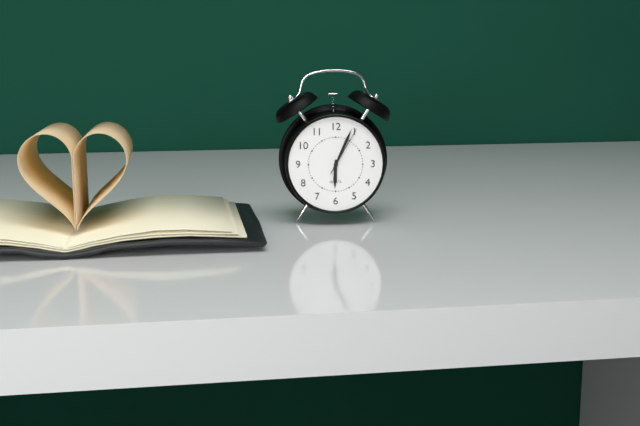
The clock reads 6:04:05
